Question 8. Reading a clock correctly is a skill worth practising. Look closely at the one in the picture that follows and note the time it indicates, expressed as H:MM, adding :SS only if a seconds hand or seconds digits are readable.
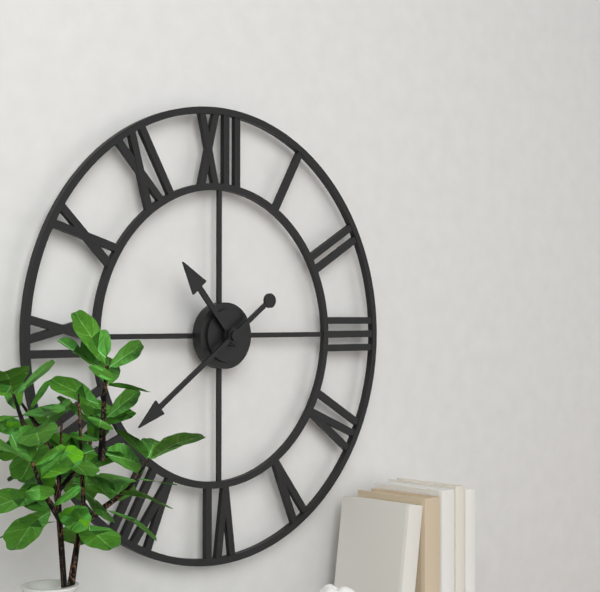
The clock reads 10:39
